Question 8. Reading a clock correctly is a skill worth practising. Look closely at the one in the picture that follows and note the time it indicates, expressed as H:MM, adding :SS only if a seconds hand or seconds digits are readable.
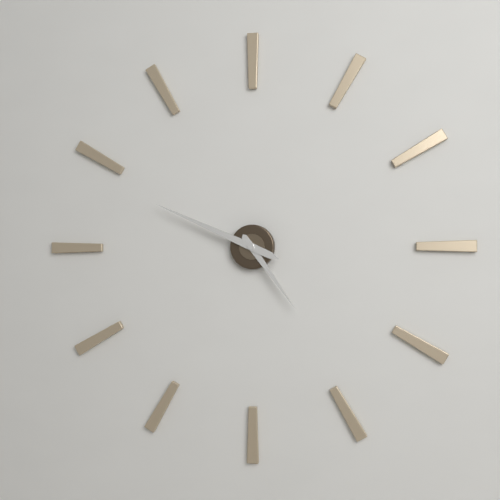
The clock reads 4:49
